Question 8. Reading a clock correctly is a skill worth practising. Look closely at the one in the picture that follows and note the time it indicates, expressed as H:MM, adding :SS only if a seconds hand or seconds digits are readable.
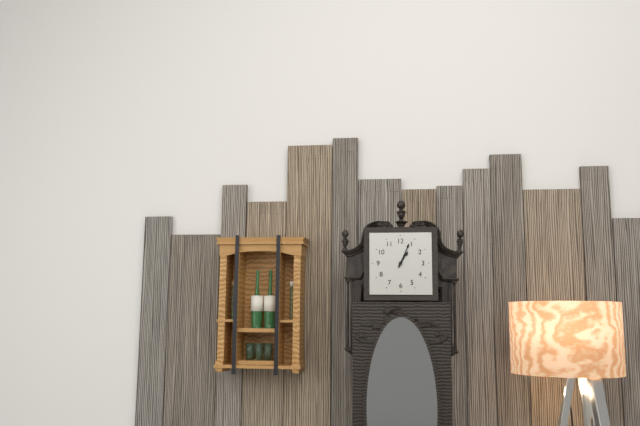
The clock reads 1:04
